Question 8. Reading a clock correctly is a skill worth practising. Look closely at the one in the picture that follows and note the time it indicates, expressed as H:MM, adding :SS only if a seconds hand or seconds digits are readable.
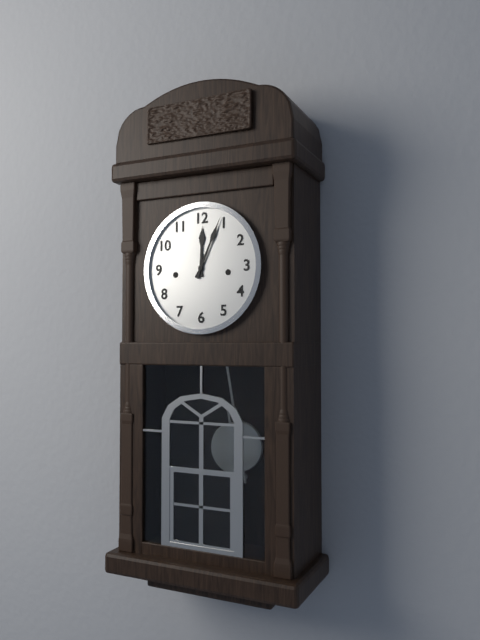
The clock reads 12:04
